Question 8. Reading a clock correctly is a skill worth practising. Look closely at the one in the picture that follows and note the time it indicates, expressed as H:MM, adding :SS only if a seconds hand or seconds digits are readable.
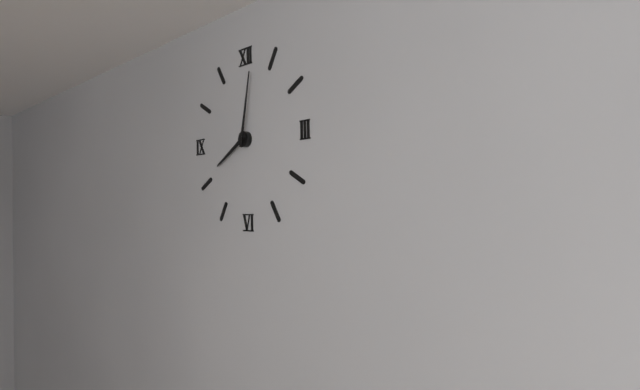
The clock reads 8:02
